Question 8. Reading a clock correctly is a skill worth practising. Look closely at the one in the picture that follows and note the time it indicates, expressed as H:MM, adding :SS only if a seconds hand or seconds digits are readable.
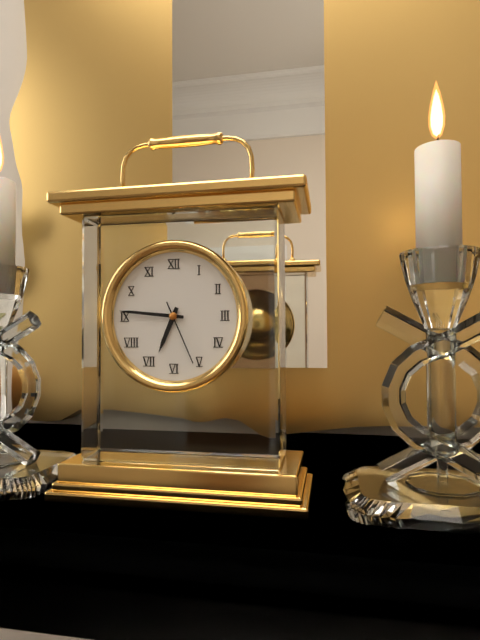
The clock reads 6:46:26
